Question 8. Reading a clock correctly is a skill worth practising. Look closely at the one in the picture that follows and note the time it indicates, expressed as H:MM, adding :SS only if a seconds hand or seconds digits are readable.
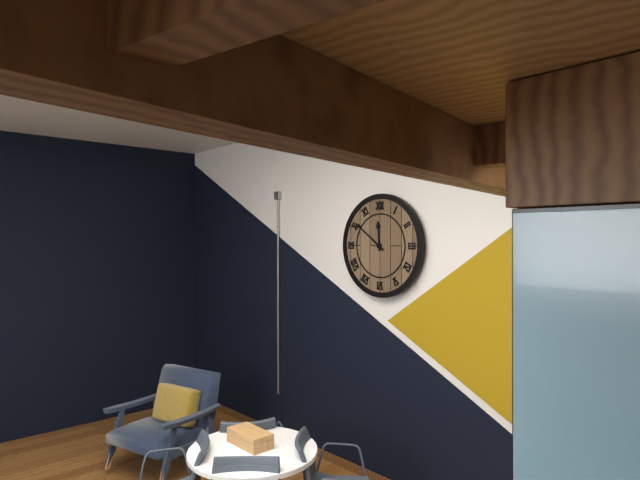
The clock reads 11:51
